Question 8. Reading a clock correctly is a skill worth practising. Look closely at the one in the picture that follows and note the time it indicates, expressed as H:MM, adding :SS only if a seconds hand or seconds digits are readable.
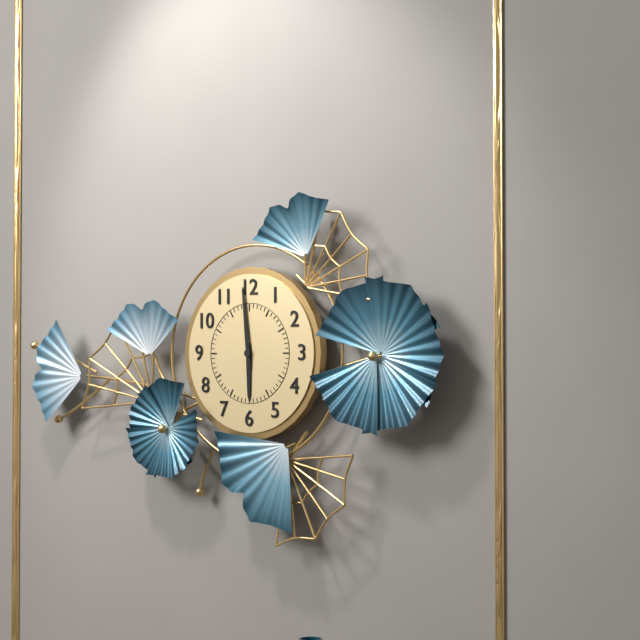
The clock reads 5:59
